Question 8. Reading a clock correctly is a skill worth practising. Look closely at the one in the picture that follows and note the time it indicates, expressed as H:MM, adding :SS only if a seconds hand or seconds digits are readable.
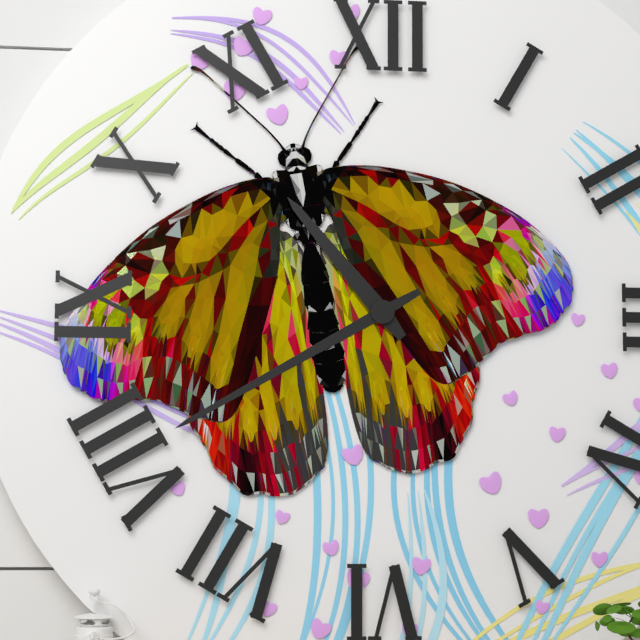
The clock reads 10:40
